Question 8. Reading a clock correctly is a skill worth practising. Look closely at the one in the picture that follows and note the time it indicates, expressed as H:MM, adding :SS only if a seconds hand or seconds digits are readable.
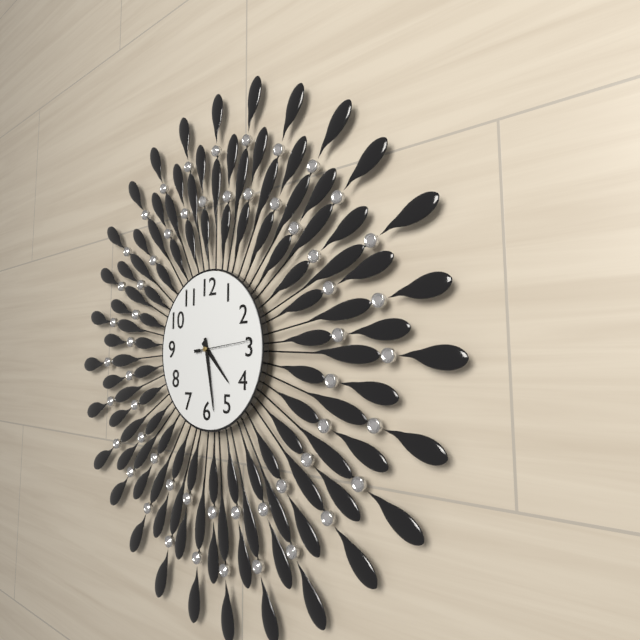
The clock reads 4:28
